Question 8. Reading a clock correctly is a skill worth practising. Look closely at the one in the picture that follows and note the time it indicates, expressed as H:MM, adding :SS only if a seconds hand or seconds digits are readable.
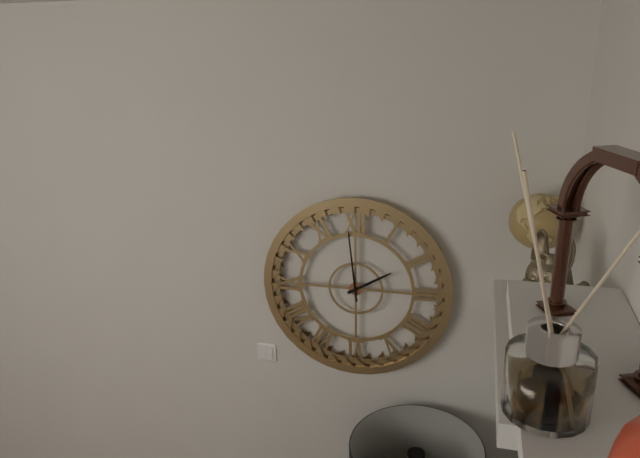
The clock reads 1:59
